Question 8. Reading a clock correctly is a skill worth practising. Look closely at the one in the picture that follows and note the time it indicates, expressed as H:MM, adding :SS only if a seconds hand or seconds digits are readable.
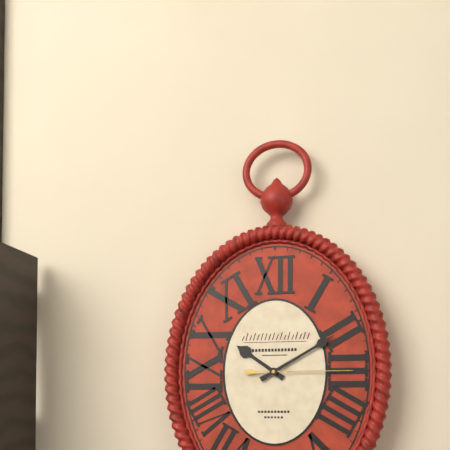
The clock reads 10:10:15
